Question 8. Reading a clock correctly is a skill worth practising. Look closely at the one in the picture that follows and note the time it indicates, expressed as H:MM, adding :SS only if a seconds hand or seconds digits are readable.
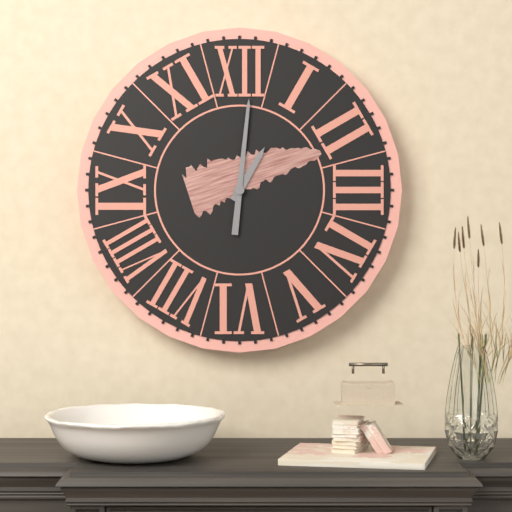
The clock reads 1:01
